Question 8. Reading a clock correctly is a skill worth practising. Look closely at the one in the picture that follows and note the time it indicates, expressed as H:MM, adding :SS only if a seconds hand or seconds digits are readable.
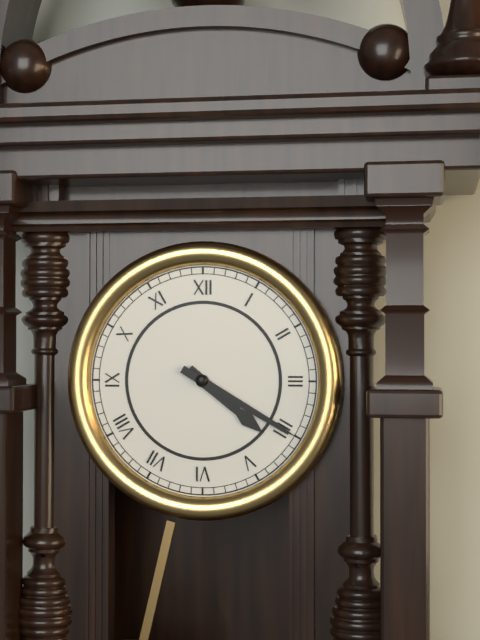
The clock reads 4:20
